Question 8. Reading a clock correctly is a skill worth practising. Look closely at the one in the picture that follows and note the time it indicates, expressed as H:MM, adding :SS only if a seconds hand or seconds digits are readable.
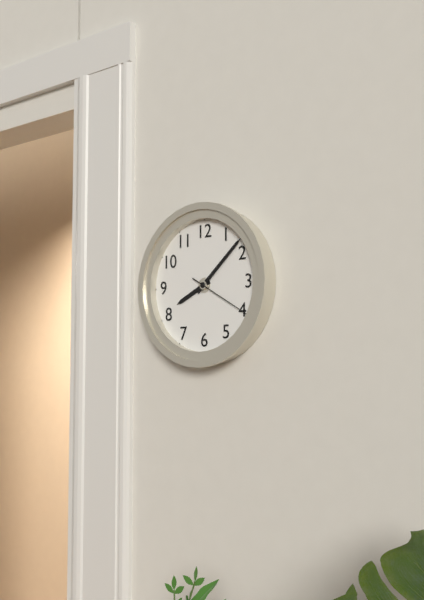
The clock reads 8:08:20
